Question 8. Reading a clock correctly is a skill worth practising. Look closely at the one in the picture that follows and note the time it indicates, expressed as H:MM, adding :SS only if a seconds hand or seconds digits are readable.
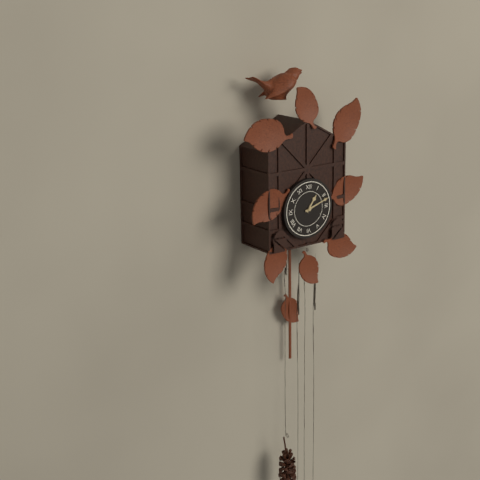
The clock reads 1:12
